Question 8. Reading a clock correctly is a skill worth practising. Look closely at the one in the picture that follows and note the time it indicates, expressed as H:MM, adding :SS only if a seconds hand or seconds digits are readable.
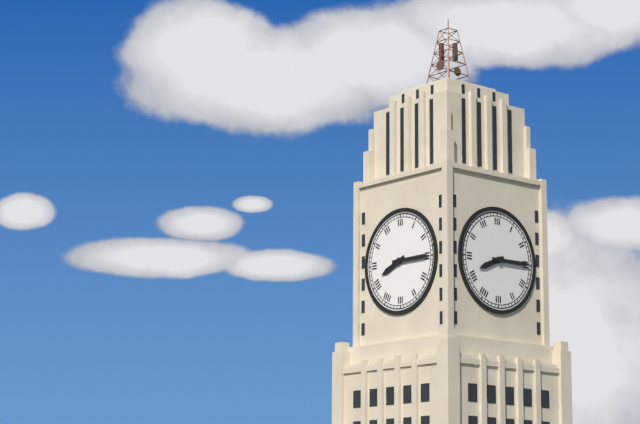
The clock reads 8:15
